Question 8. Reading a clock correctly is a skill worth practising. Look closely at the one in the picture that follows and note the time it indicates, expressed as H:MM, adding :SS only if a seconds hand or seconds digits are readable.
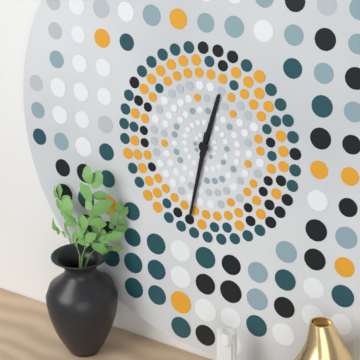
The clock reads 12:32
